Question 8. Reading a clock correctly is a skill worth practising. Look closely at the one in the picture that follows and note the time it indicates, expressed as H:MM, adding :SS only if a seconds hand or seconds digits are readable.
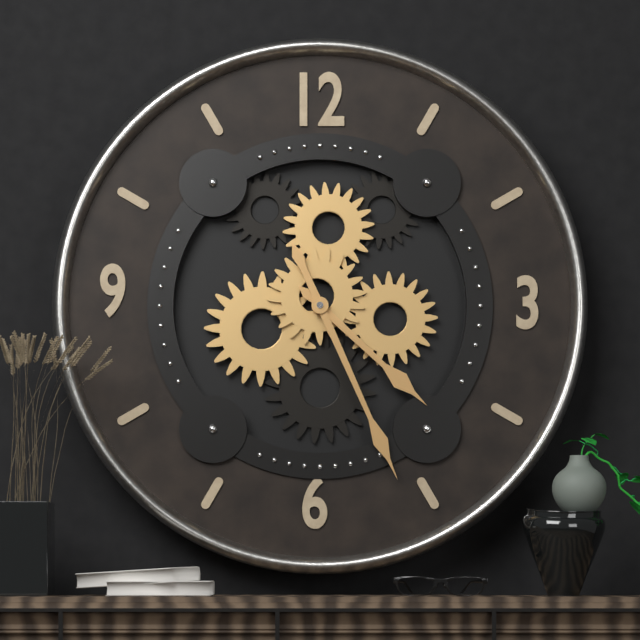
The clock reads 4:26
